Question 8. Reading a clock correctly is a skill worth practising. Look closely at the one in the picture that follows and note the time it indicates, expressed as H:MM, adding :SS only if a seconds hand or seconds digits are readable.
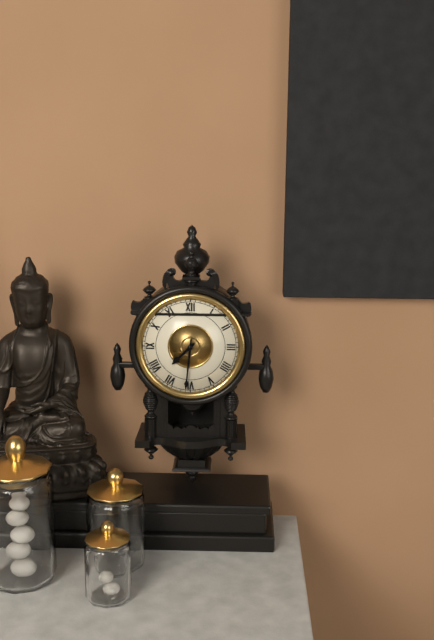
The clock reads 7:31
